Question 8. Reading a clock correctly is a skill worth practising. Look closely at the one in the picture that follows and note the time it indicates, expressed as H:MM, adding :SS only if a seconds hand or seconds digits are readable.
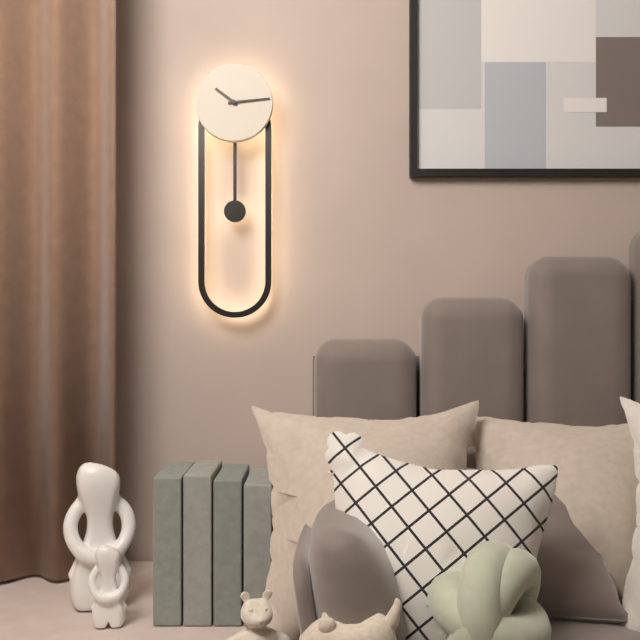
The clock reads 10:14
